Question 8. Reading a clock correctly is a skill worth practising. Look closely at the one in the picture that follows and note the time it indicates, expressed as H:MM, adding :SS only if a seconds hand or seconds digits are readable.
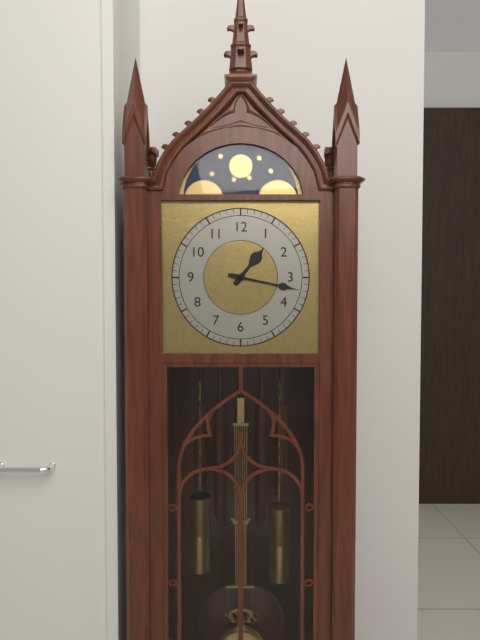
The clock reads 1:17
